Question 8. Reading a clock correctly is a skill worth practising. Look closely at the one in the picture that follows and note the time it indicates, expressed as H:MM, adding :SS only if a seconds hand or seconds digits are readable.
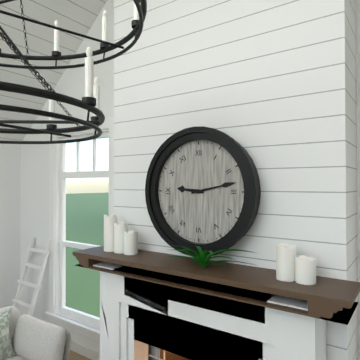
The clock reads 9:13
